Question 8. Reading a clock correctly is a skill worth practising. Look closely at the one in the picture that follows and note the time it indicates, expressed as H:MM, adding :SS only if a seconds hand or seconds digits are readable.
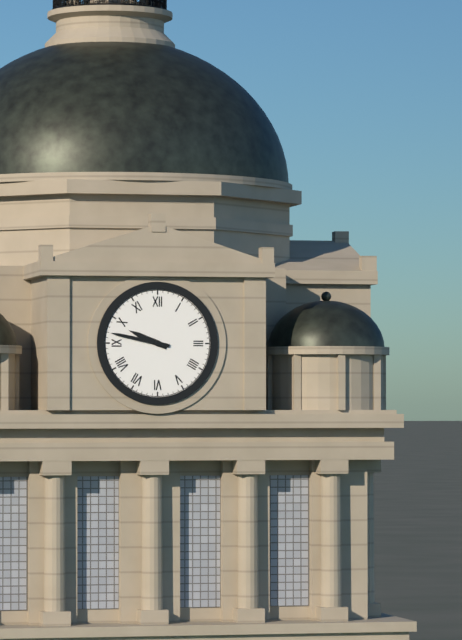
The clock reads 9:47
